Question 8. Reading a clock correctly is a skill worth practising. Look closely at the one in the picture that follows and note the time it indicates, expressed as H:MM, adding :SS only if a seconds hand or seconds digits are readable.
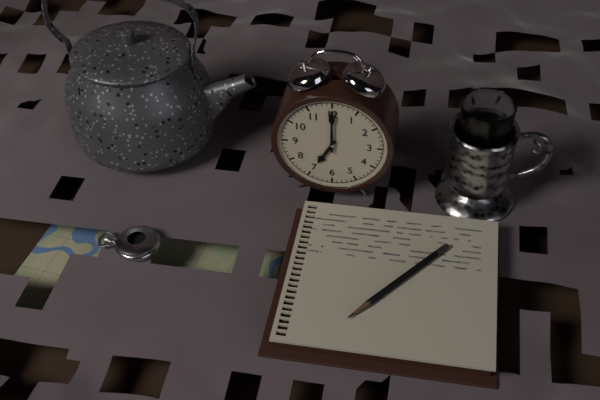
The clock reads 7:00
